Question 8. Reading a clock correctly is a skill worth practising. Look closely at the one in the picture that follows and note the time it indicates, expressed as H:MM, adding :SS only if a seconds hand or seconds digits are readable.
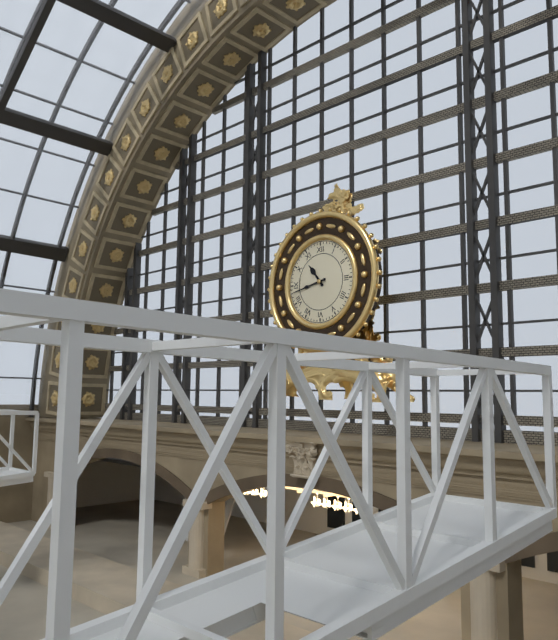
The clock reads 10:43
